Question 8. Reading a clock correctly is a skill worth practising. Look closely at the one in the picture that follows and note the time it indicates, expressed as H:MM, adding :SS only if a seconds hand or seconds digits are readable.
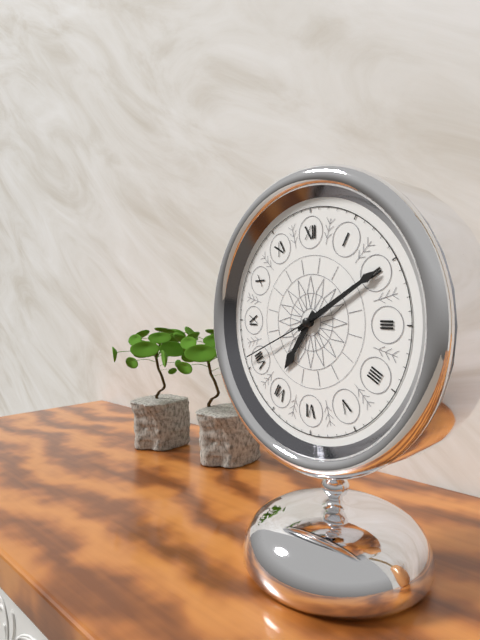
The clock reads 7:10:41
